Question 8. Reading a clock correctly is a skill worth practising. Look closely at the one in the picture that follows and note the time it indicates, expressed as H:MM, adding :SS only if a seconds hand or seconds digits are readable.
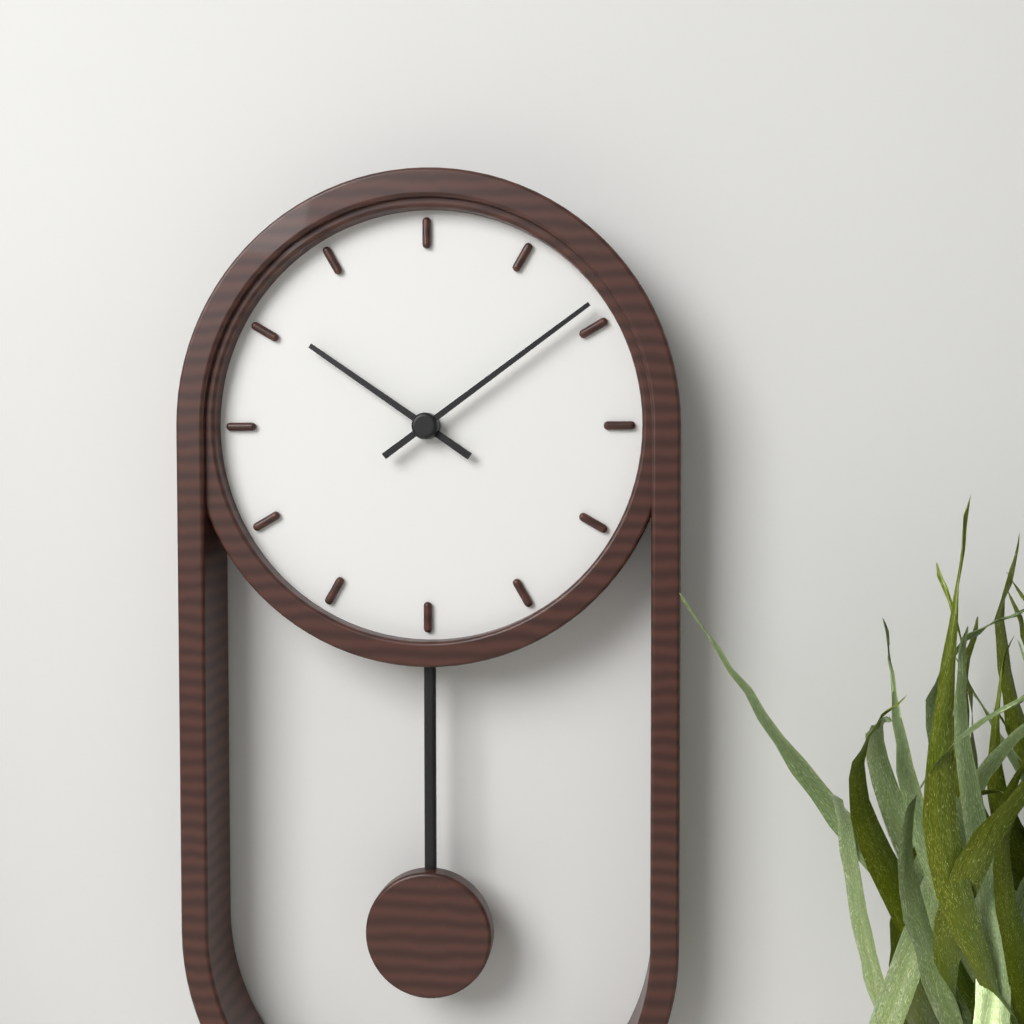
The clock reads 10:09
